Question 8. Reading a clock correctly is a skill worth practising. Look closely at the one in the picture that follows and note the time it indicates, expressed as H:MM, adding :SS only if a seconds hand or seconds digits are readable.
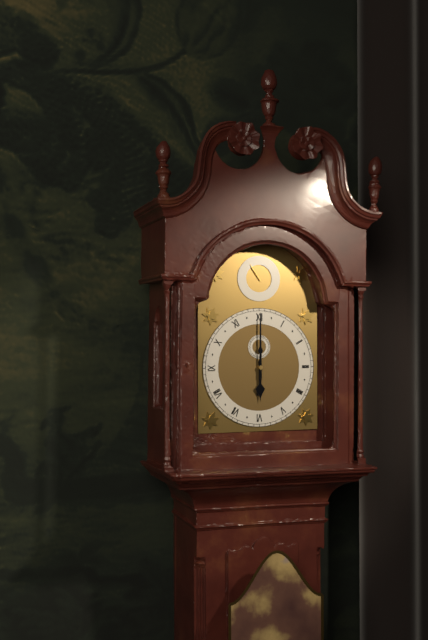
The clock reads 6:00
